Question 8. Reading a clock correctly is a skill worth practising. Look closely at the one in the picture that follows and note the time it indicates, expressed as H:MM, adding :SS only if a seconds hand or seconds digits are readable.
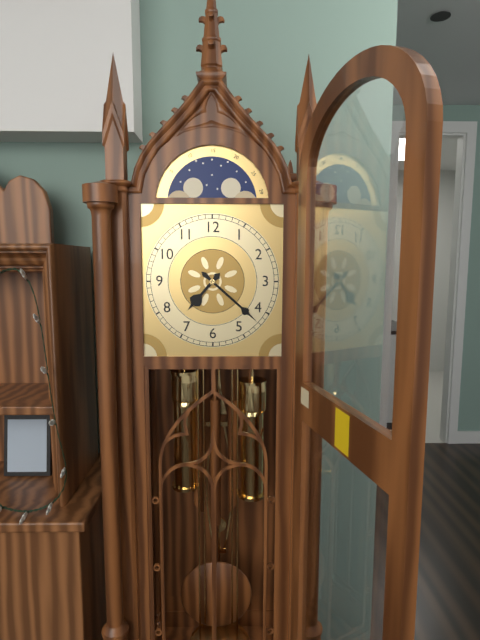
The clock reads 7:22
